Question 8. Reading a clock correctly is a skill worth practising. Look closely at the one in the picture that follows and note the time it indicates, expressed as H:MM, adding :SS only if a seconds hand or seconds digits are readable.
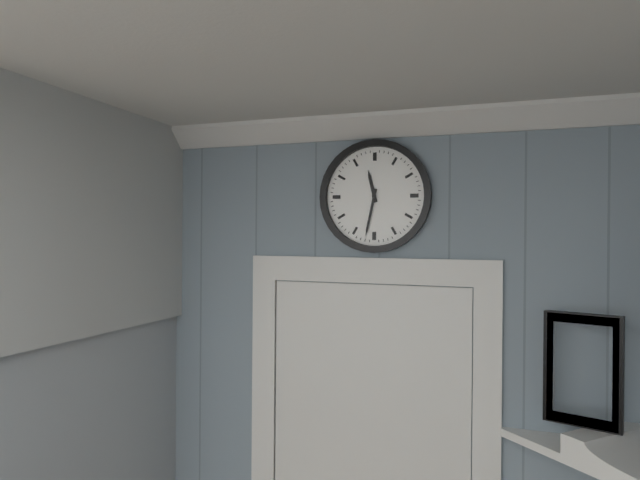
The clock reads 11:32
